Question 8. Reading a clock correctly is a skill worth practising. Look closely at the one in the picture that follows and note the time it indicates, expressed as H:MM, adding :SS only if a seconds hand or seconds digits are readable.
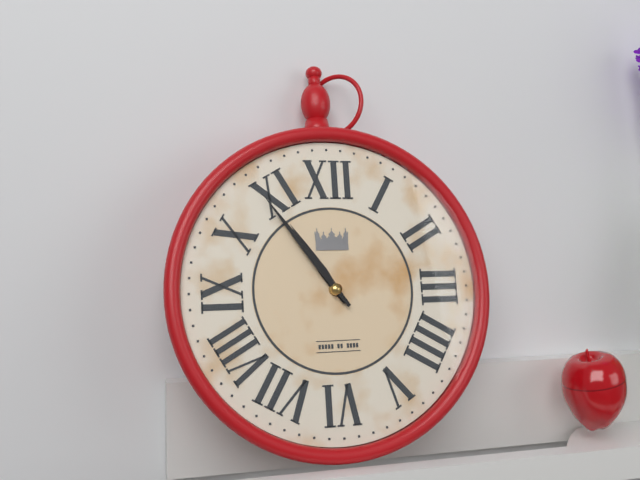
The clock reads 10:54
